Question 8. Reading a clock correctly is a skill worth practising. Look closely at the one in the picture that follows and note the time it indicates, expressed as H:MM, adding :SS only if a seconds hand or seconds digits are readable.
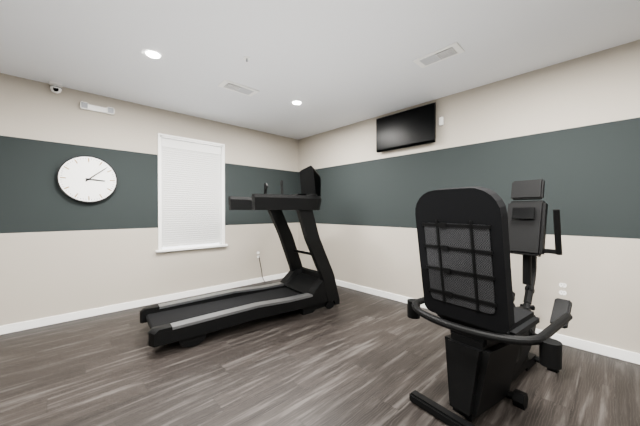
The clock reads 3:08
